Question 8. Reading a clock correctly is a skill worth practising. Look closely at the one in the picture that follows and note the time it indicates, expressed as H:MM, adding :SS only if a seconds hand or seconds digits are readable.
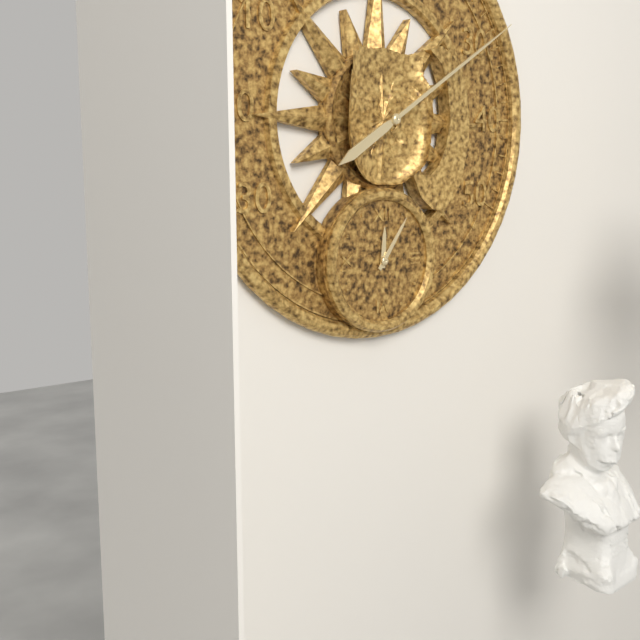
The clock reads 12:06
